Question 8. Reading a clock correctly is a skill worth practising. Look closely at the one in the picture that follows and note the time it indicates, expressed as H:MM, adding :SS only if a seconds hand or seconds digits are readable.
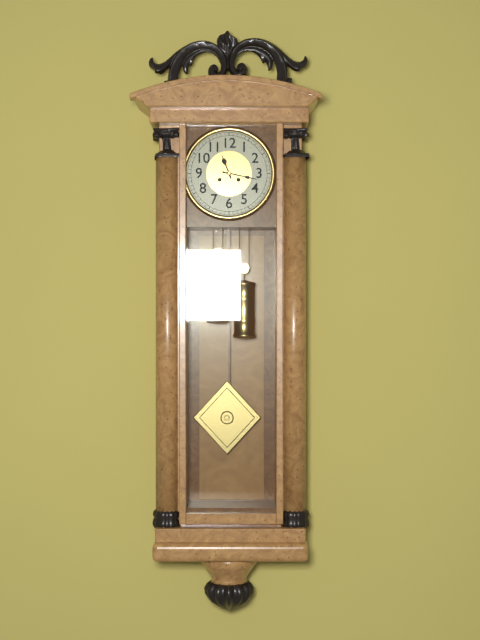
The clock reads 11:17
